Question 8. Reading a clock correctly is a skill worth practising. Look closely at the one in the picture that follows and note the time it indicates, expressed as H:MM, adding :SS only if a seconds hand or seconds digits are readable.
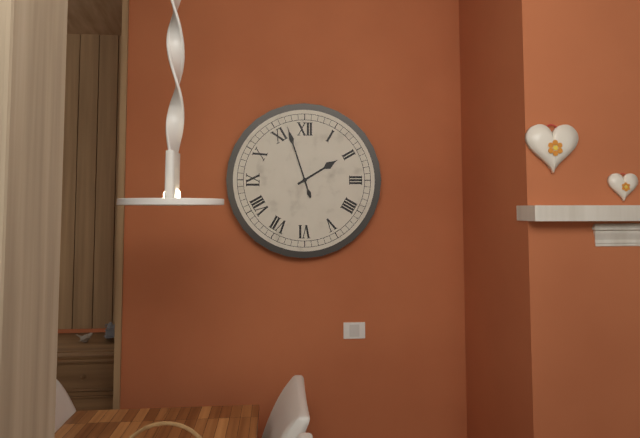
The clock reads 1:57
